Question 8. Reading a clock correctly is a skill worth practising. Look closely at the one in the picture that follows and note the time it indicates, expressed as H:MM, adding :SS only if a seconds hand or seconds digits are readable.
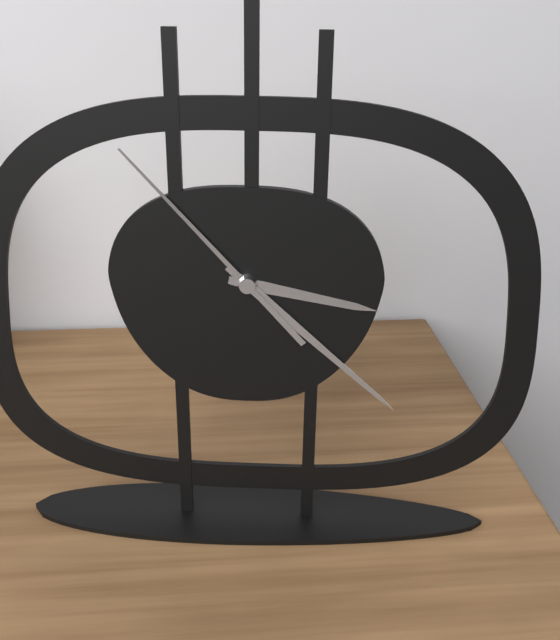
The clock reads 3:22:53
